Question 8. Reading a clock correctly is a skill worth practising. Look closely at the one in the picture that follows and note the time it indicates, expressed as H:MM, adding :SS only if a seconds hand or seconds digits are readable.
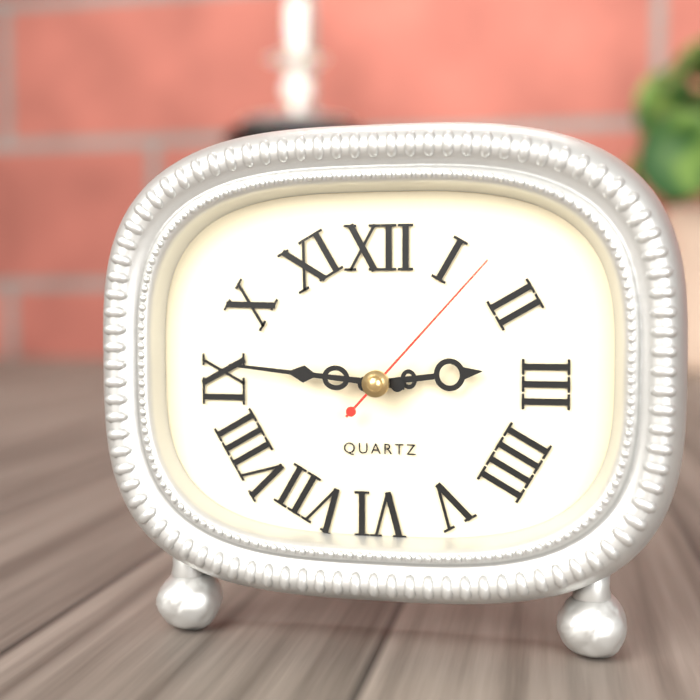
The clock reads 2:46:07
